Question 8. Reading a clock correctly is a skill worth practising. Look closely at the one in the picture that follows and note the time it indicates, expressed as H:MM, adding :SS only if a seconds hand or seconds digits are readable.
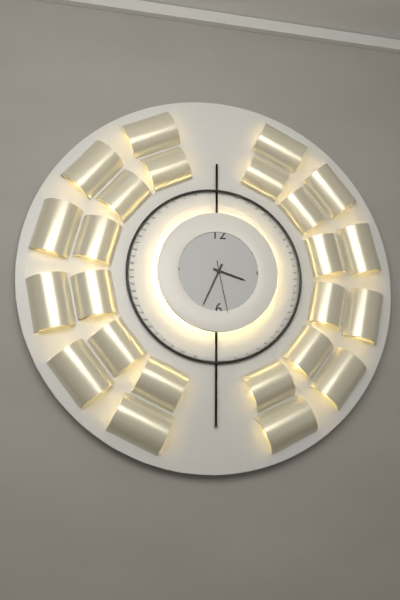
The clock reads 3:34:28
